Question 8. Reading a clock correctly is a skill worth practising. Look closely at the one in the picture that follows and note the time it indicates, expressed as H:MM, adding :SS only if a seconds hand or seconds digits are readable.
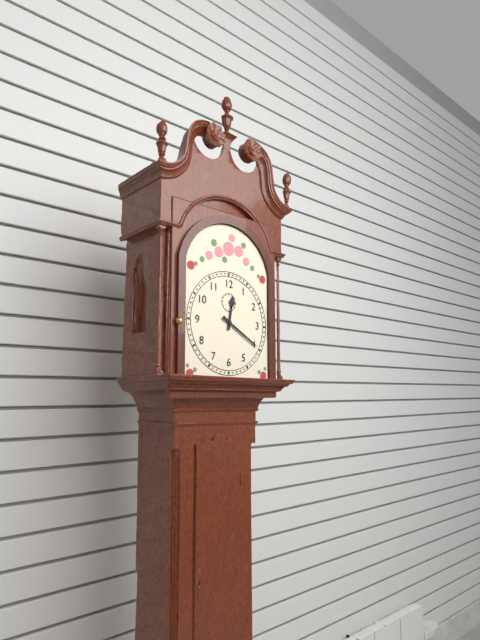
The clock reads 12:20
